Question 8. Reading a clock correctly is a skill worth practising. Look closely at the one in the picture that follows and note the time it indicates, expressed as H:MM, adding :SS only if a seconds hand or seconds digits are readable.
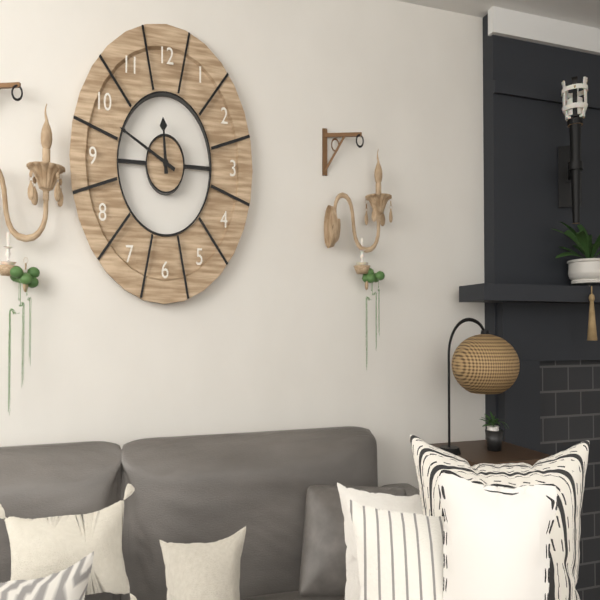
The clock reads 11:49
